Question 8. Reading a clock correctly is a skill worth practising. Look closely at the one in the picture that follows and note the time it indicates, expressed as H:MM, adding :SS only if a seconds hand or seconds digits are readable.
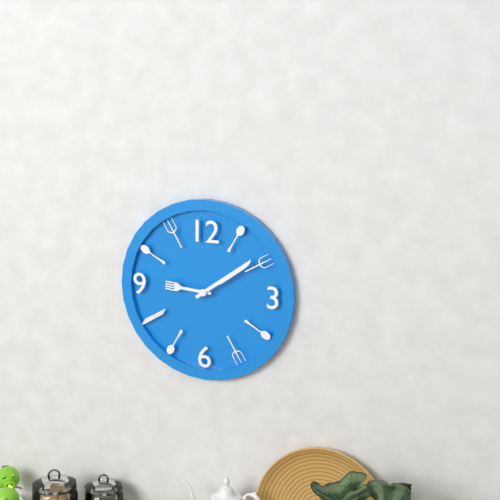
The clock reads 9:09
